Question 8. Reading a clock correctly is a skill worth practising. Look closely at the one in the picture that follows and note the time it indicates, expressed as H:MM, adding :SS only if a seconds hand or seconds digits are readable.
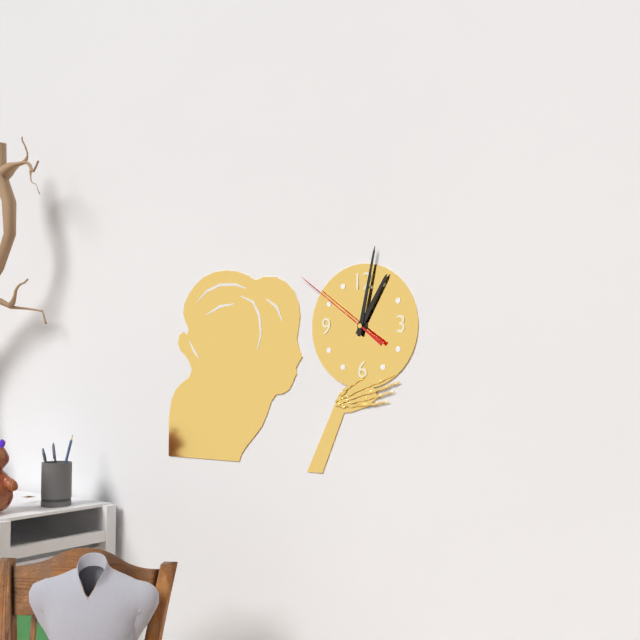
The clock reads 1:02:51
